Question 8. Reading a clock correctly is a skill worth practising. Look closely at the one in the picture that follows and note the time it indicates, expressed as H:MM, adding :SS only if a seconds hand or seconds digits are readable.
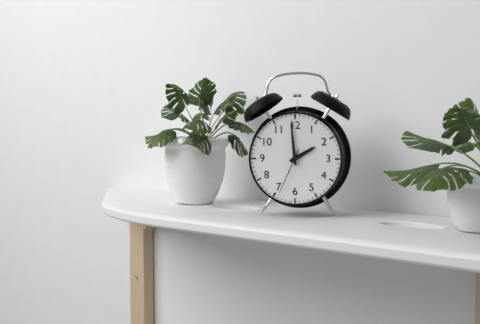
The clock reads 1:59:34
